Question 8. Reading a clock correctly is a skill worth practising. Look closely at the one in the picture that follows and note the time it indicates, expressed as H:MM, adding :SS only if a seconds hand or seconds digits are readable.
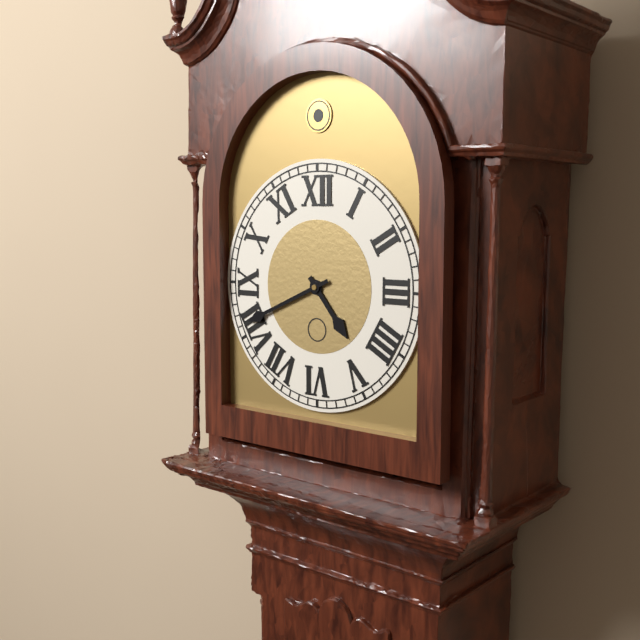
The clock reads 4:41
